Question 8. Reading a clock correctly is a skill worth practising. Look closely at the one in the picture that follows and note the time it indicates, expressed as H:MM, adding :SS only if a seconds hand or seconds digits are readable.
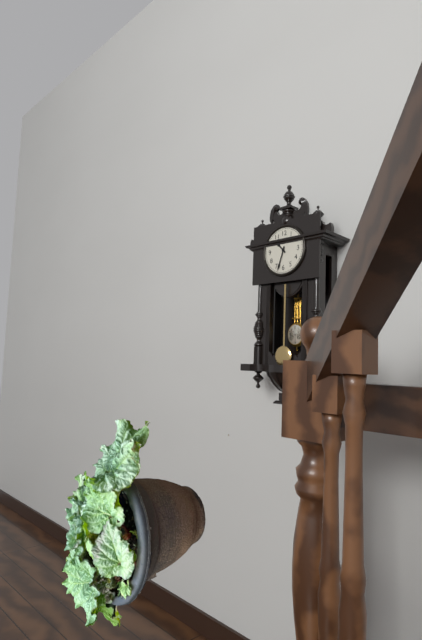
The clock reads 10:33
